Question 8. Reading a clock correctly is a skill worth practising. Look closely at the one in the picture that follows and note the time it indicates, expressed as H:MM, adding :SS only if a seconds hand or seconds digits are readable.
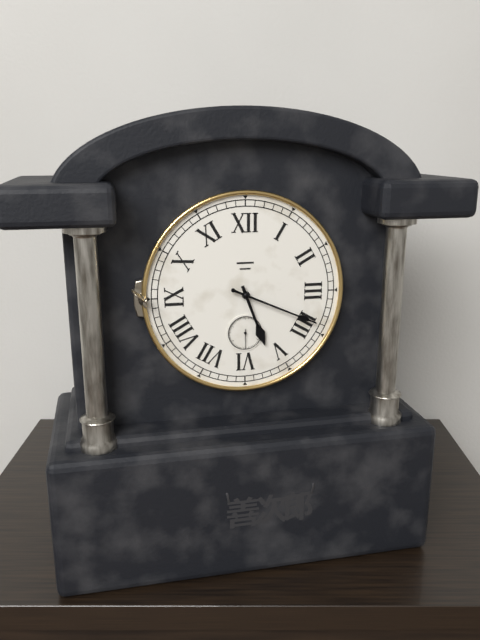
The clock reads 5:19
